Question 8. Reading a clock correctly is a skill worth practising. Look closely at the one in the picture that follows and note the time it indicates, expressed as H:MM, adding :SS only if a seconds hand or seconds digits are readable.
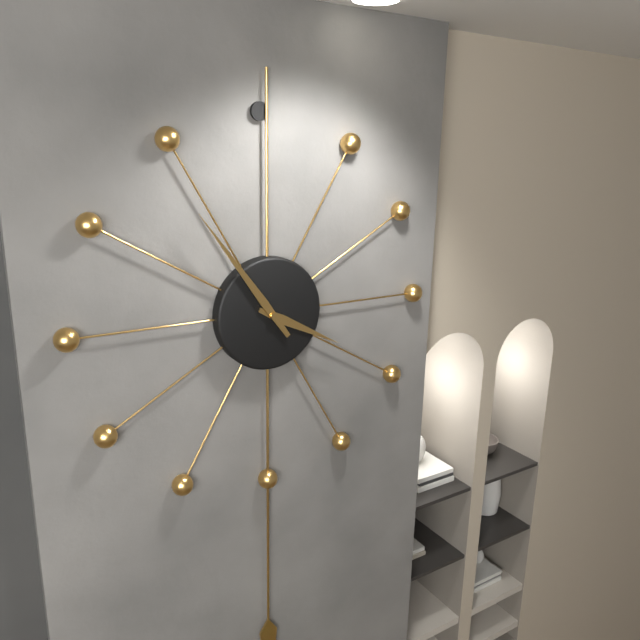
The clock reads 3:54
